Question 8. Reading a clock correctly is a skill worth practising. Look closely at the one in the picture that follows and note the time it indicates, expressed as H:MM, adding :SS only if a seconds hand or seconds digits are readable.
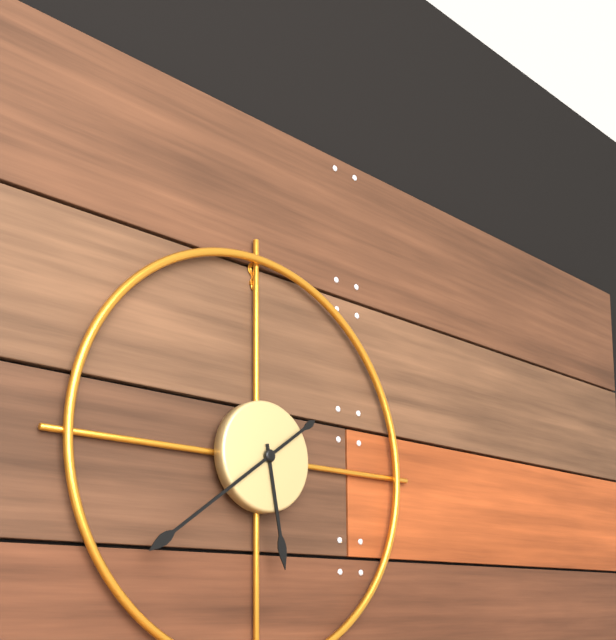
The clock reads 5:39
